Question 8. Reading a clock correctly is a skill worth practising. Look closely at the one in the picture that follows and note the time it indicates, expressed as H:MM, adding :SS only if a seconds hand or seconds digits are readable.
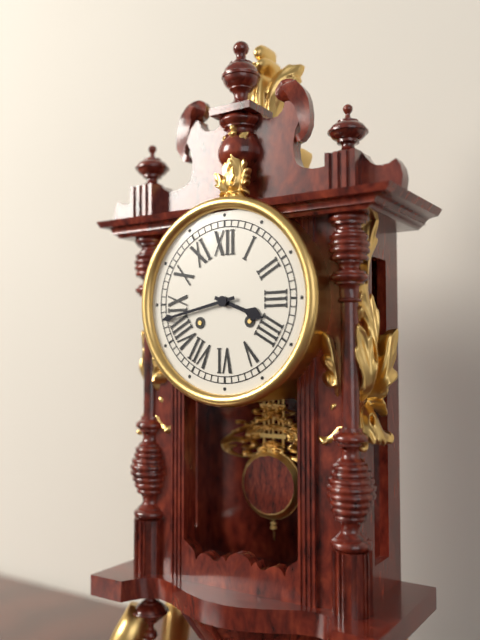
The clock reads 3:43
